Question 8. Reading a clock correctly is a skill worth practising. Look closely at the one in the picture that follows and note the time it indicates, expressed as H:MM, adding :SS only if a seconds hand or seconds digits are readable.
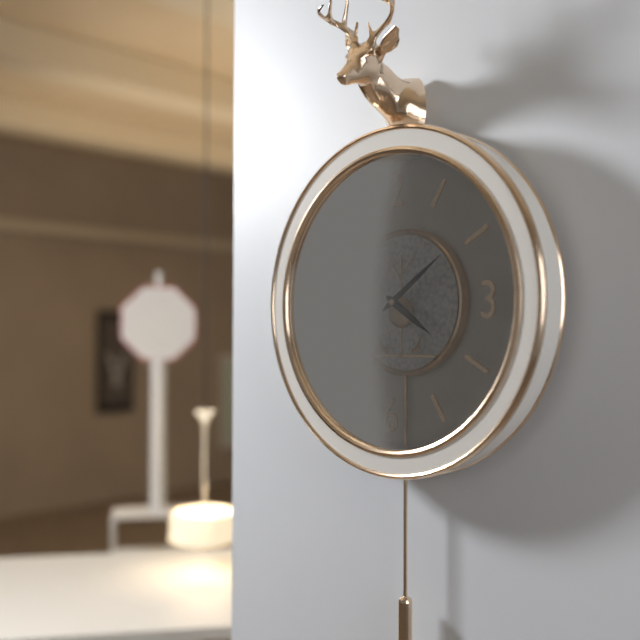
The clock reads 4:09
